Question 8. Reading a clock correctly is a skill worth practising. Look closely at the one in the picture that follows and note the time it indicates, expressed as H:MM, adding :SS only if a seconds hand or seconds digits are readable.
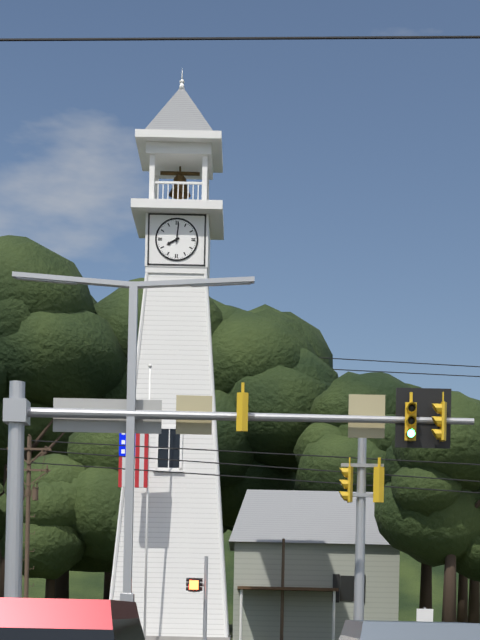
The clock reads 8:01
